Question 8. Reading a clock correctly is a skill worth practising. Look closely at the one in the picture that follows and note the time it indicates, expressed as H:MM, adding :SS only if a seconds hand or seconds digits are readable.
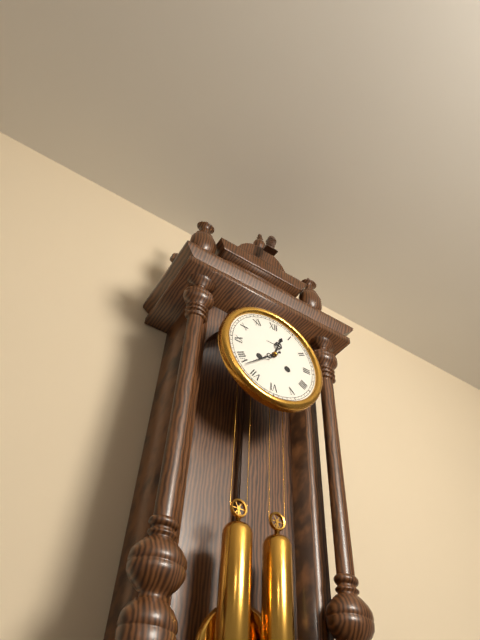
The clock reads 12:38
